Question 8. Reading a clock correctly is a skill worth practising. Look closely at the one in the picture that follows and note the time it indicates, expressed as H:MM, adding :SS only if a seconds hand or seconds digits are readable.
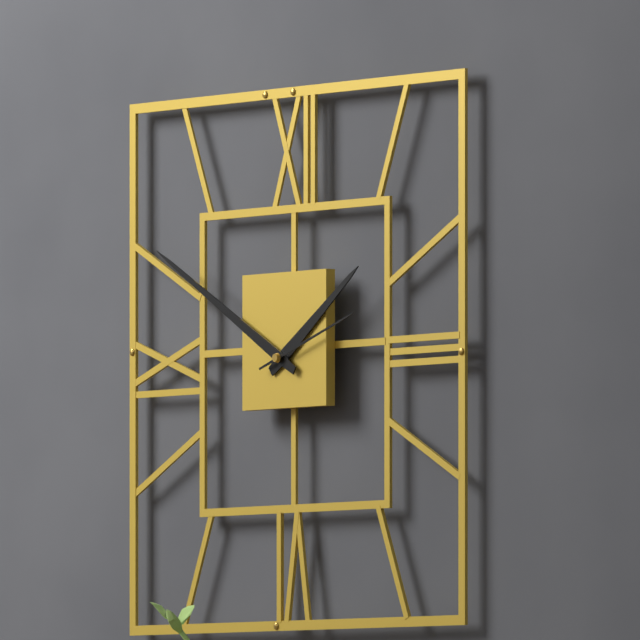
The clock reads 1:50:12
